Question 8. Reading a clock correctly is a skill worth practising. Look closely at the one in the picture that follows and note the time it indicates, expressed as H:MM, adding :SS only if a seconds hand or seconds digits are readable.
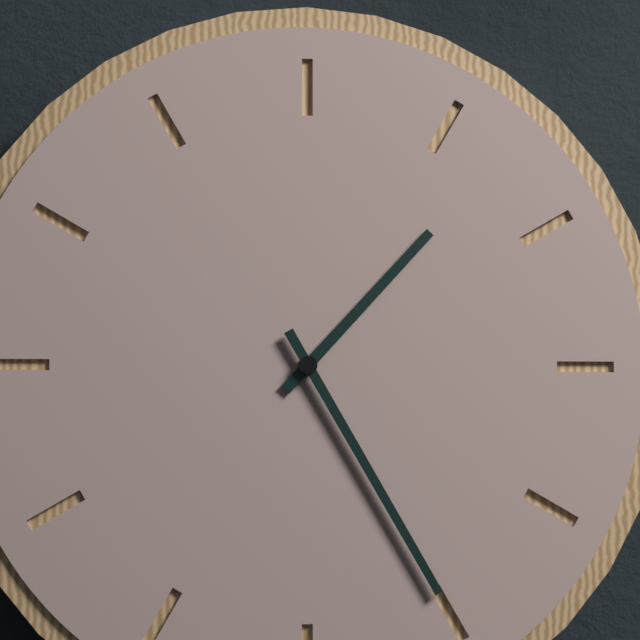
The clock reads 1:25
